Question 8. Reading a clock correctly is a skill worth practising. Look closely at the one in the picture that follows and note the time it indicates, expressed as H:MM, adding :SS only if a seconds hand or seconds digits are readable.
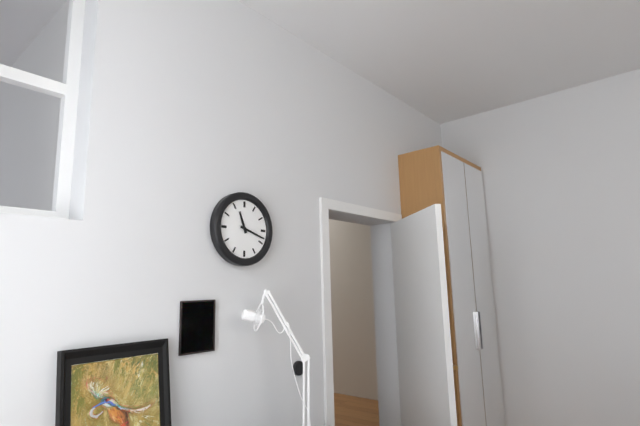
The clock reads 11:18
